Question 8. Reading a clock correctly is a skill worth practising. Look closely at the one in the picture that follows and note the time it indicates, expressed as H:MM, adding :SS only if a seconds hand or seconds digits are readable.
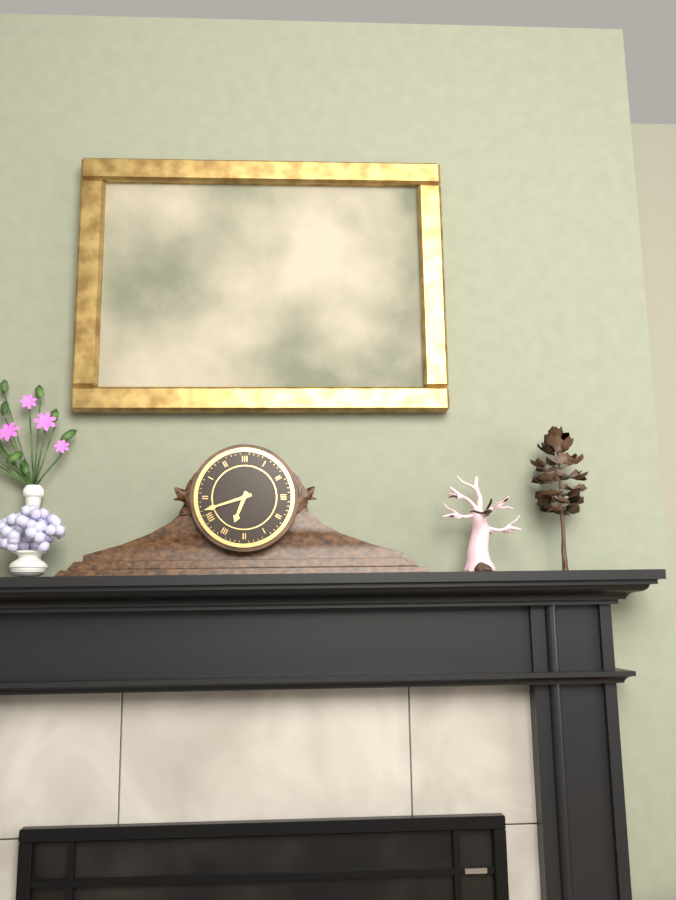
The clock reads 6:42
